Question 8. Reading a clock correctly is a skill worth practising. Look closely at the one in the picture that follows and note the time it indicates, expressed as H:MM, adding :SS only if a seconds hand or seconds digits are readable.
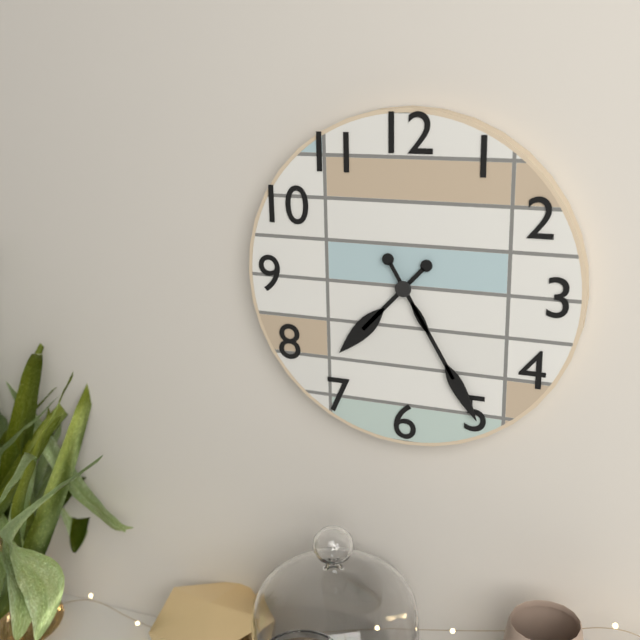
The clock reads 7:25
